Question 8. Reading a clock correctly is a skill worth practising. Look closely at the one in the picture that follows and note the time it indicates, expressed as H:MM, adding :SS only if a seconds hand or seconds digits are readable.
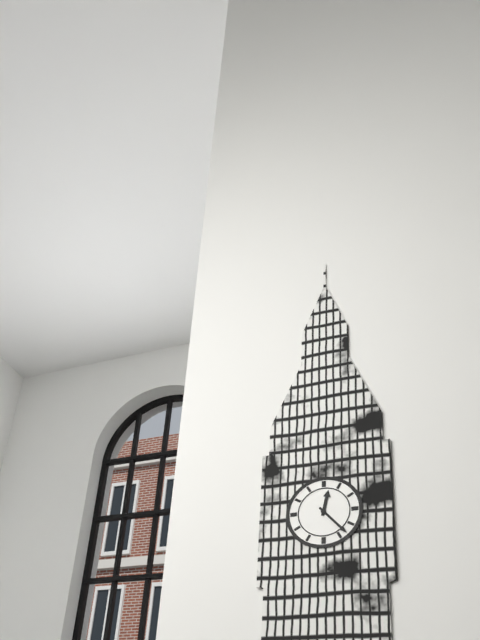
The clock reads 12:23
